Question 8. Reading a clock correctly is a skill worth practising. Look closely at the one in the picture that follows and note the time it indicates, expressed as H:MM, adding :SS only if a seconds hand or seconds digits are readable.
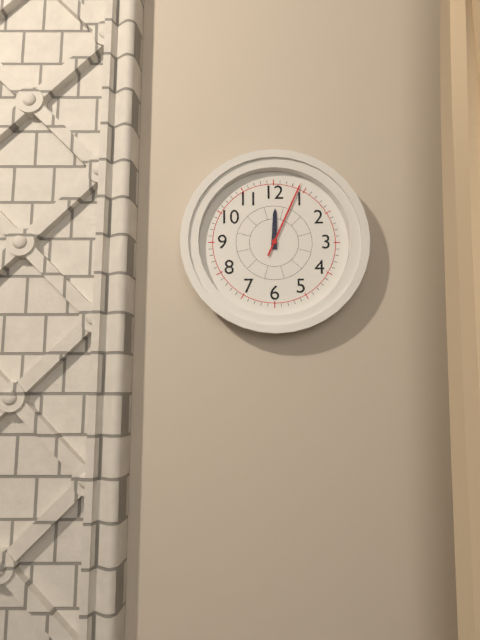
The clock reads 12:04
